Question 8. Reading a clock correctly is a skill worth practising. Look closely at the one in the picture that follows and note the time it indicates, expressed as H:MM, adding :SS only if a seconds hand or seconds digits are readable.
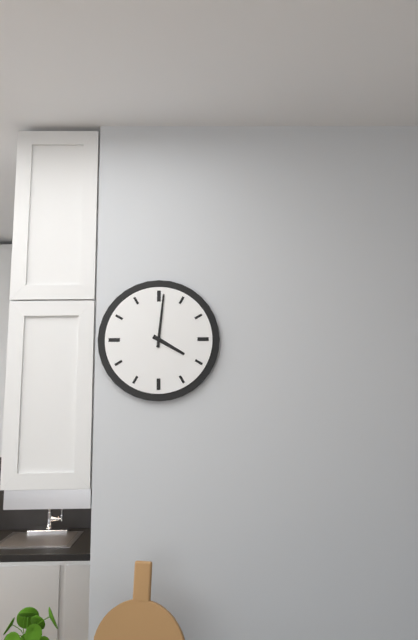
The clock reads 4:01
